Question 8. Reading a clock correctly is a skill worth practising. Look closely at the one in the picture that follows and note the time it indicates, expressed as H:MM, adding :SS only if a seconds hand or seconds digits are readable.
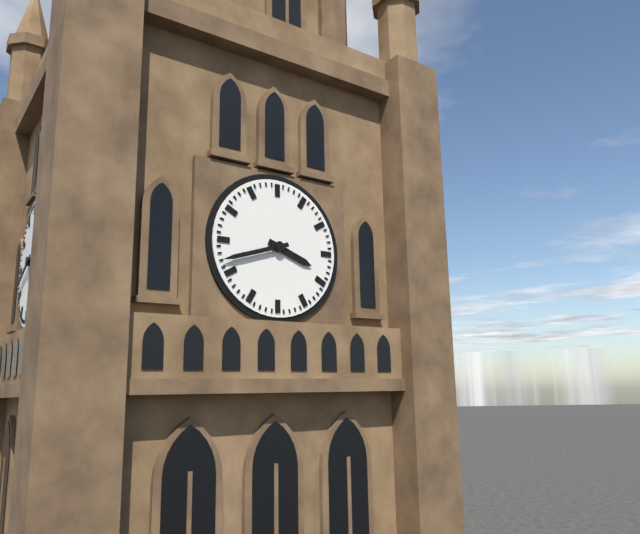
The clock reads 3:42
